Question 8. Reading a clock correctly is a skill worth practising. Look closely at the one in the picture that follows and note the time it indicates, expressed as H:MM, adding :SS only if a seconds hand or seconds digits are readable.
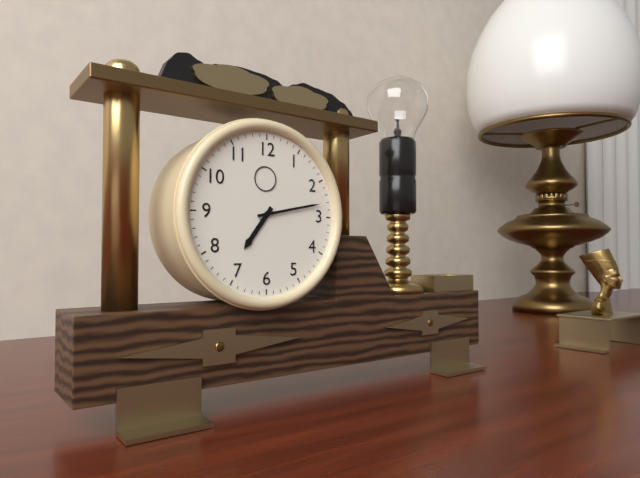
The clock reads 7:13
